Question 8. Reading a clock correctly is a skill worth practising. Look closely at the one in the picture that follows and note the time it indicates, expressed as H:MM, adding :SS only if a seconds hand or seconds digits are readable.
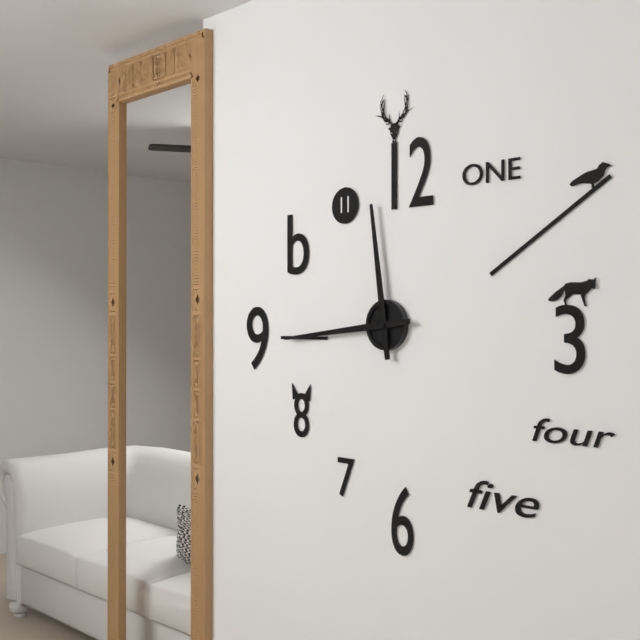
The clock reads 11:44
